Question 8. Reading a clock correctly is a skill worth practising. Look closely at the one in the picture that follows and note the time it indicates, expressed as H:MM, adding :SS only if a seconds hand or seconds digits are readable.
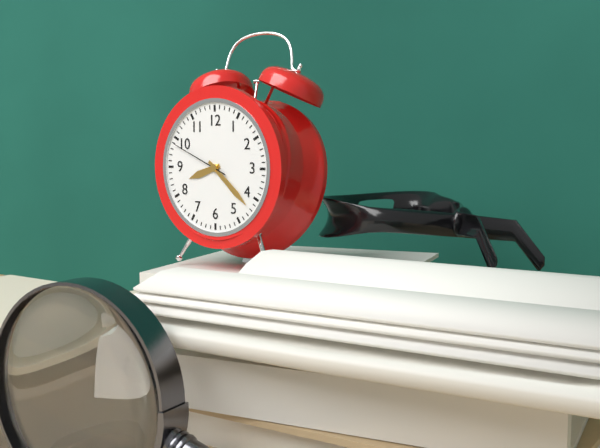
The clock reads 8:22:49
